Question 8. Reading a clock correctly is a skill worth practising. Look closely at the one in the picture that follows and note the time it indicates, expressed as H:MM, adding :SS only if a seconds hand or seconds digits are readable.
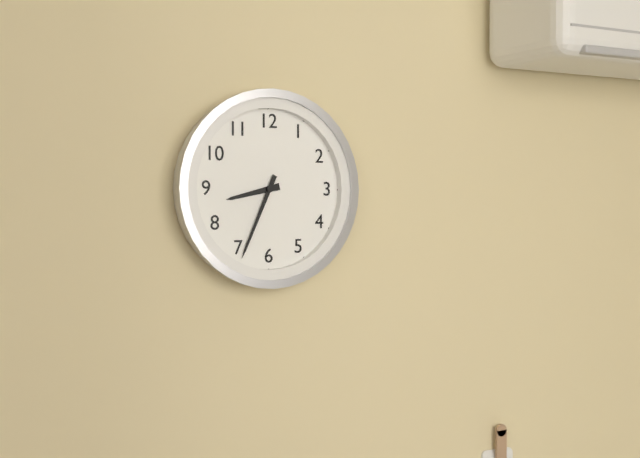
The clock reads 8:34
